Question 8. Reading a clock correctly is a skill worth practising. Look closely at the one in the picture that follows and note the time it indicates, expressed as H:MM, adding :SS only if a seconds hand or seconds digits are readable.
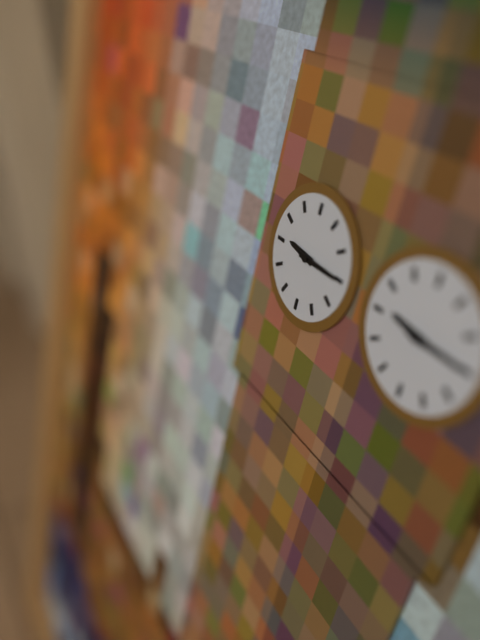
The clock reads 9:15
